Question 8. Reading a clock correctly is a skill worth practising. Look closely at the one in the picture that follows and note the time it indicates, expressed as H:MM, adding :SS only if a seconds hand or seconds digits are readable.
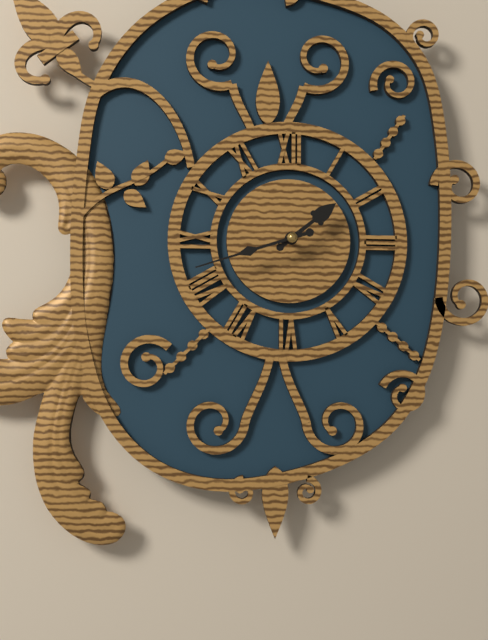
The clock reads 1:42
